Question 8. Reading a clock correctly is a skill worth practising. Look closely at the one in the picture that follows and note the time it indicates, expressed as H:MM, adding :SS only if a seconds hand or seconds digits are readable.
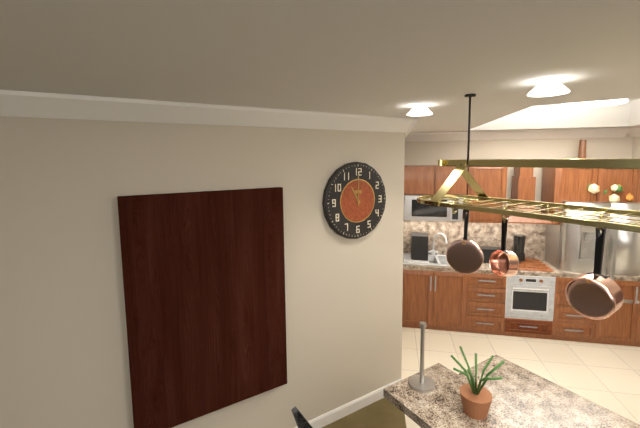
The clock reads 11:00
